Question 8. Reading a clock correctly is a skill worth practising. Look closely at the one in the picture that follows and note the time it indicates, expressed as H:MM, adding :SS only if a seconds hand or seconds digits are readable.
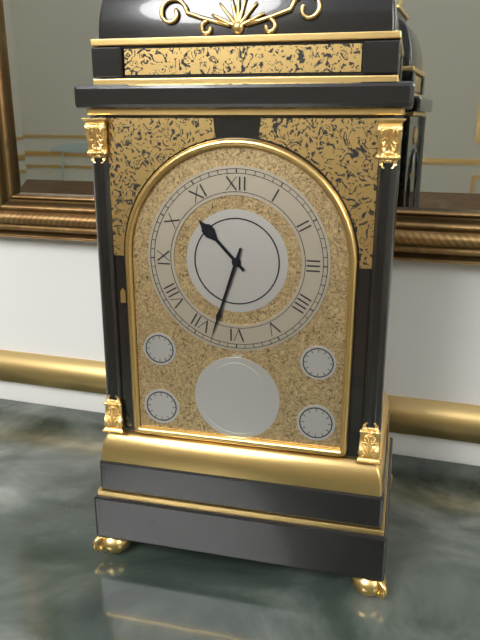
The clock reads 10:33
